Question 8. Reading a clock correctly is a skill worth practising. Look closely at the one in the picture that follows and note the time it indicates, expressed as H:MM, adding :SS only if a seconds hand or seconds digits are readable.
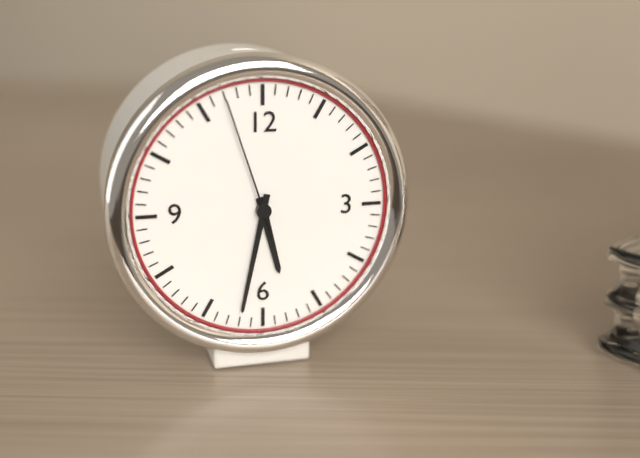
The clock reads 5:32:57
